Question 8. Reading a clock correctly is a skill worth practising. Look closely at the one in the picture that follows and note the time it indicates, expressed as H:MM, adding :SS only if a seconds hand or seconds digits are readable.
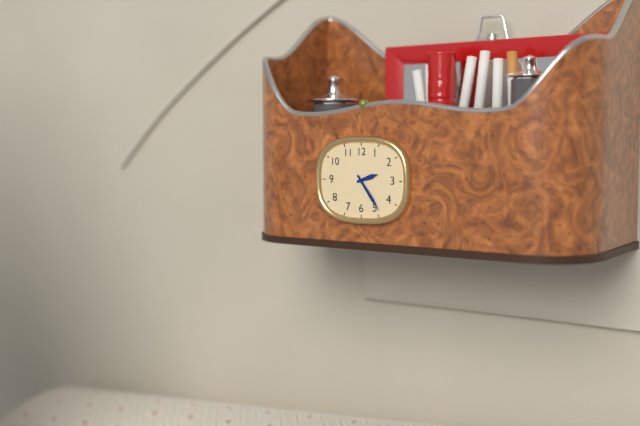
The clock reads 2:24
